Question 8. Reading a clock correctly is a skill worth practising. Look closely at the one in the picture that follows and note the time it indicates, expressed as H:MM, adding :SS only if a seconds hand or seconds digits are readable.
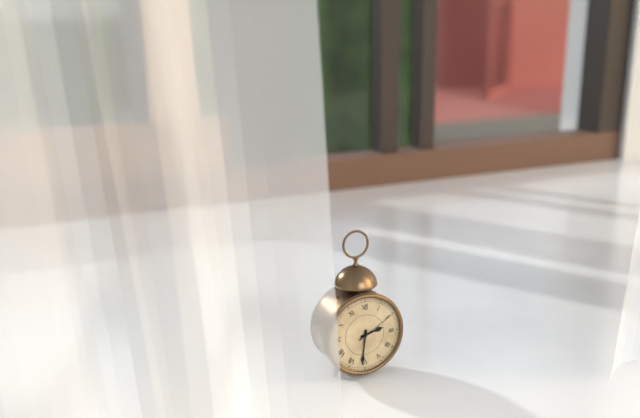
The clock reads 2:31
